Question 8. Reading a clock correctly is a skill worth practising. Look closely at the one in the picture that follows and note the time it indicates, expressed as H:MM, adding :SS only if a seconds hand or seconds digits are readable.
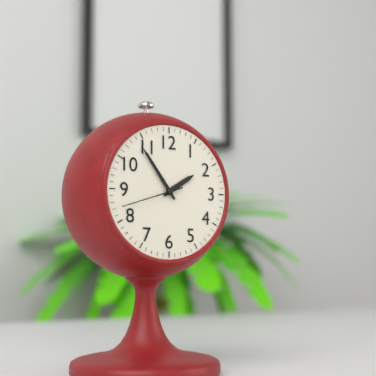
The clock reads 1:54:42
